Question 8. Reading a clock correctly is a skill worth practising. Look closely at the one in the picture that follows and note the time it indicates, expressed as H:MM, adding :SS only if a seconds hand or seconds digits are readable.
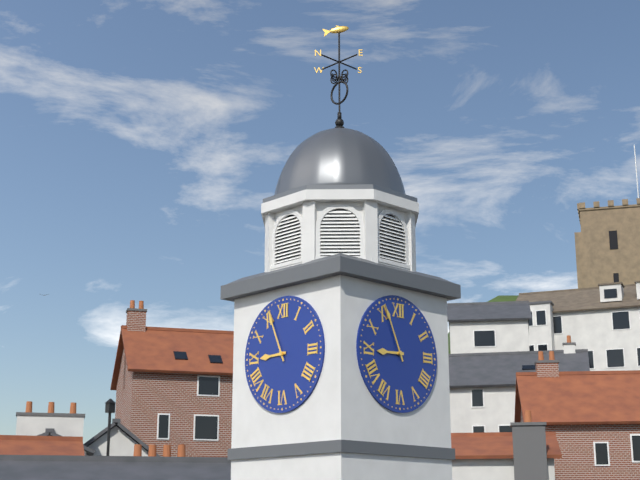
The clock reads 8:56
